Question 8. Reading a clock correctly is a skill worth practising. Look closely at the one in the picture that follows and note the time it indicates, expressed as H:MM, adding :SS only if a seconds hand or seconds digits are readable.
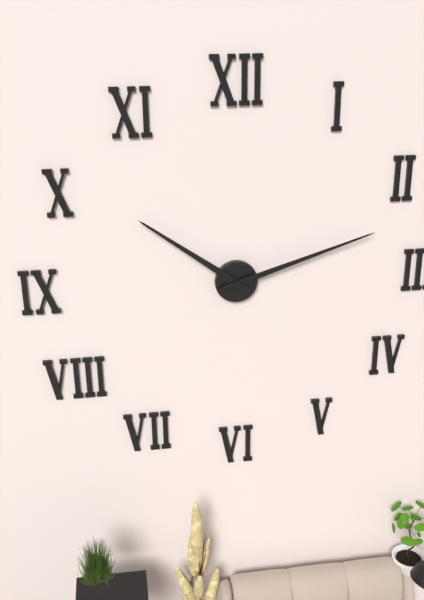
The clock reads 10:12
